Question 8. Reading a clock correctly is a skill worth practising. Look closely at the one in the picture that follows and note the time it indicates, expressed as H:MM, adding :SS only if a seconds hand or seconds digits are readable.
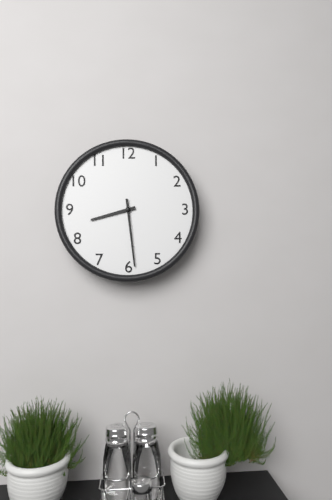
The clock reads 8:29
